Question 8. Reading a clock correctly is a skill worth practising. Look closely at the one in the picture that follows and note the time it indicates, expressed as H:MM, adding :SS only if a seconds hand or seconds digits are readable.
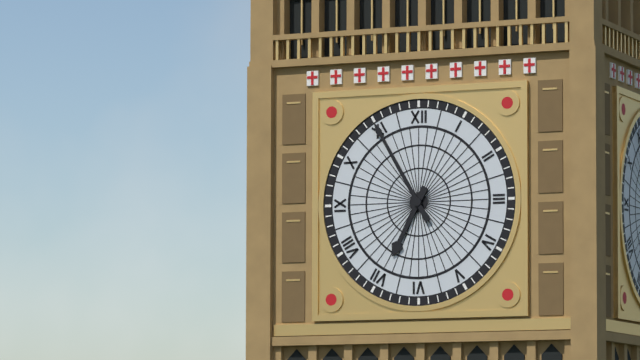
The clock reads 6:55
